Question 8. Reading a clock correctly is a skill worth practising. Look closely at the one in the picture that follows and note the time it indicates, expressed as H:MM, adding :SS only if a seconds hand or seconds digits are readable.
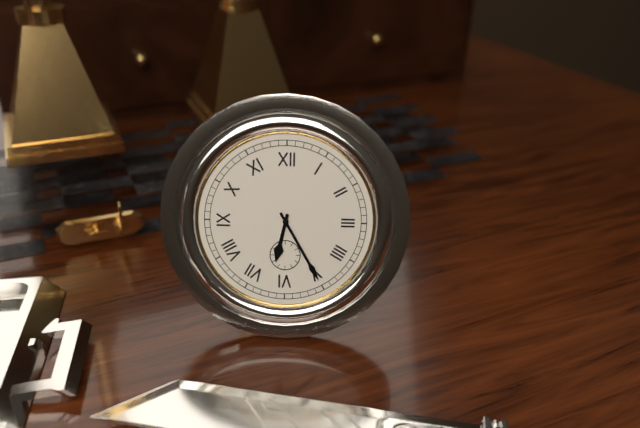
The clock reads 6:25
